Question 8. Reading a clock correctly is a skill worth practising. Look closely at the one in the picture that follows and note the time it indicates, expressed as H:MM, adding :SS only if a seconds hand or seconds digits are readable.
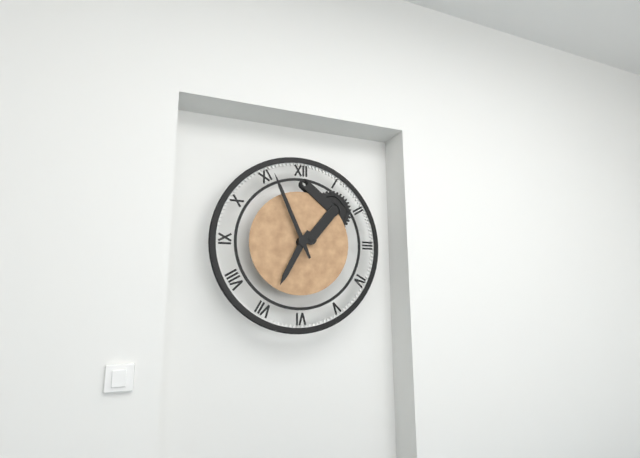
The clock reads 6:56
